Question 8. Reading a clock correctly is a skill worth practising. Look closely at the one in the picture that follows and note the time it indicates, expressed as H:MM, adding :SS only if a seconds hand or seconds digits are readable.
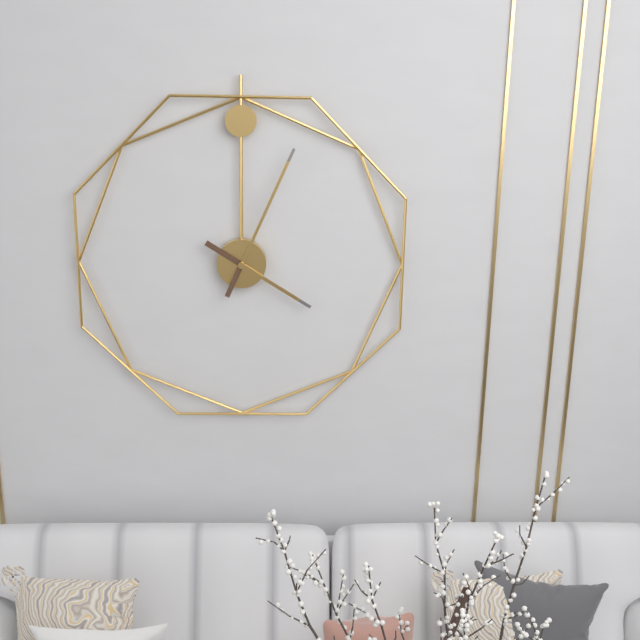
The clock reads 4:04
